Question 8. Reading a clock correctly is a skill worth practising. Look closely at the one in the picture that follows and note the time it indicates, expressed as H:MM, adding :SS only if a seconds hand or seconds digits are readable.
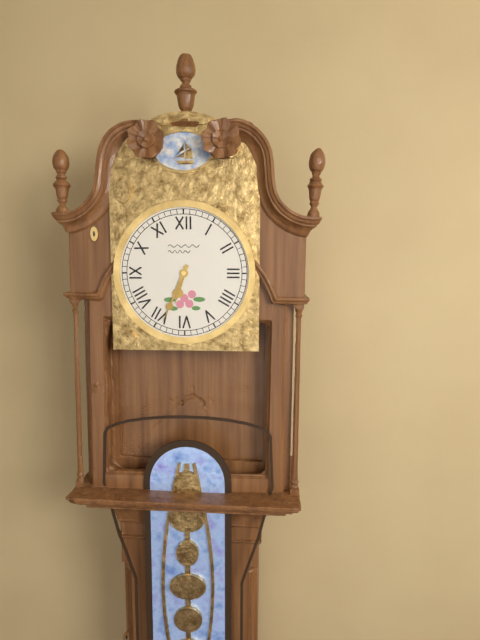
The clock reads 6:34
